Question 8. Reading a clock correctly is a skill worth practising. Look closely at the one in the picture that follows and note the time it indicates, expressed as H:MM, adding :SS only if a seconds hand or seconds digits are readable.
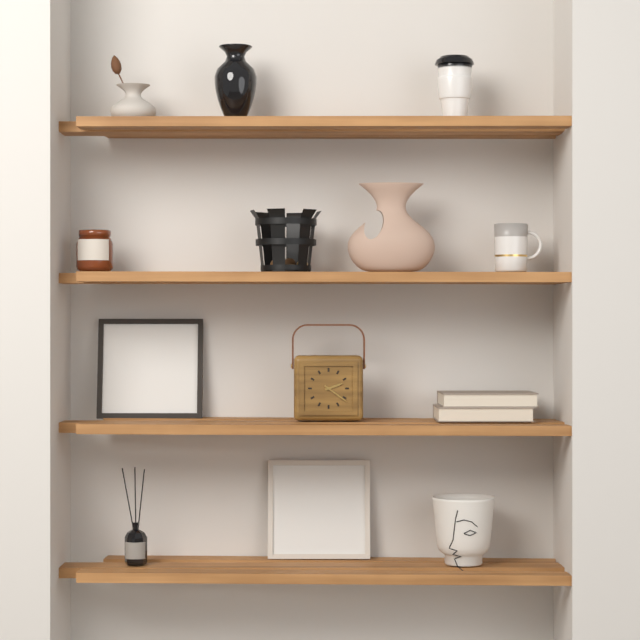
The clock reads 2:21
